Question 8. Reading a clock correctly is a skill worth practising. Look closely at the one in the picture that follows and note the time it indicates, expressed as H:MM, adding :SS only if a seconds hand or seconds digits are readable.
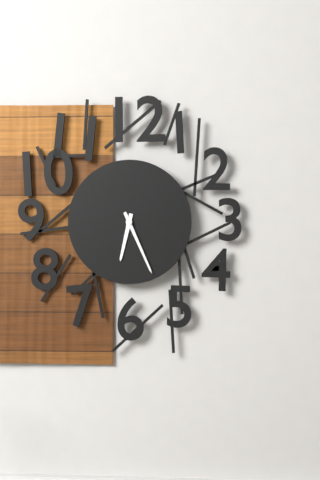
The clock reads 6:26
